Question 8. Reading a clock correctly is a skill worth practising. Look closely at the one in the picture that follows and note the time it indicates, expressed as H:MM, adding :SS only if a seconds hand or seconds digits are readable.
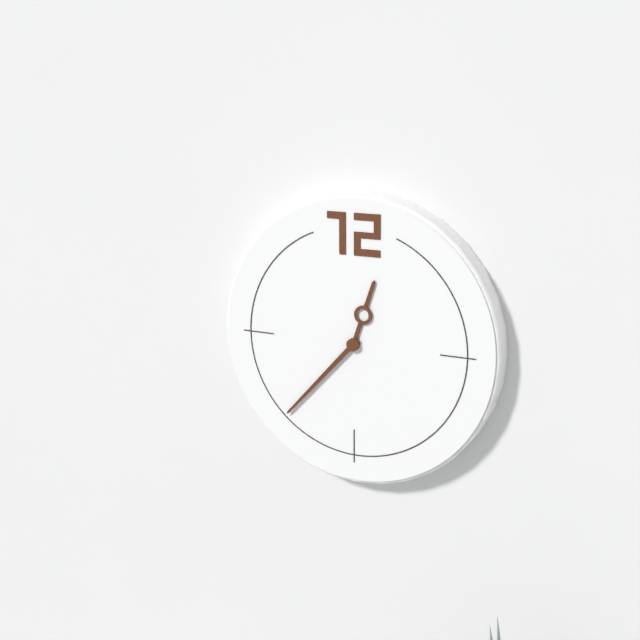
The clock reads 12:37
